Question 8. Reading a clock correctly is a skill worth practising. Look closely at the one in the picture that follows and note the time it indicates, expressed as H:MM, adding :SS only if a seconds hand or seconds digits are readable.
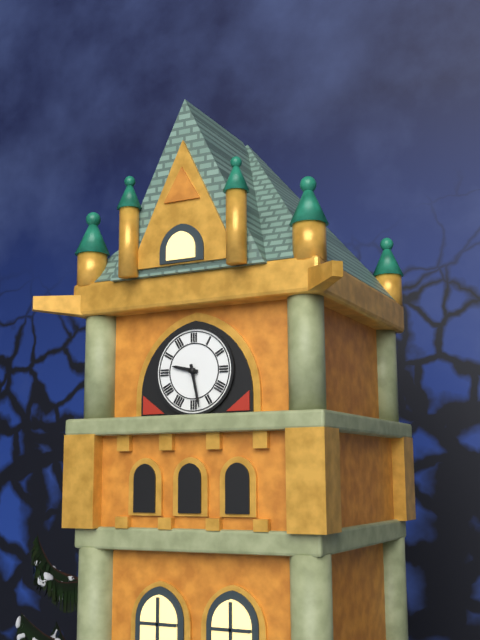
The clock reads 9:28
